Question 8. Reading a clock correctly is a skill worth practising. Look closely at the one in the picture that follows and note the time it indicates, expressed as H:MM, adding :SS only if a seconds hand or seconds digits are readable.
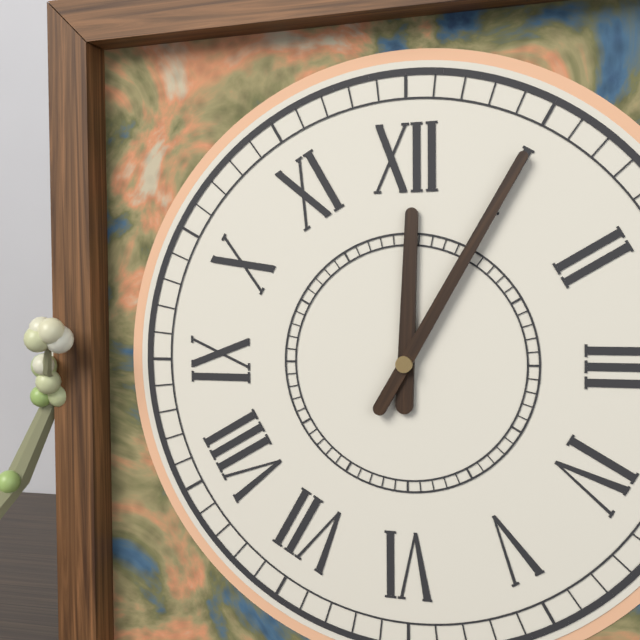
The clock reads 12:05
